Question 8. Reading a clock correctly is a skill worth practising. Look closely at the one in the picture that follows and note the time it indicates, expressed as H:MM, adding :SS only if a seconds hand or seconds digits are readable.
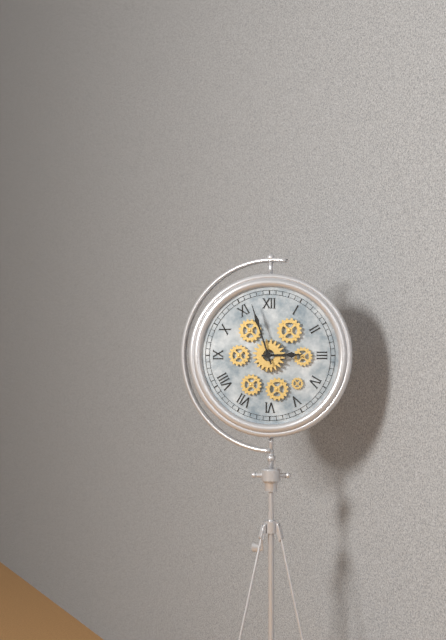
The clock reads 2:57
